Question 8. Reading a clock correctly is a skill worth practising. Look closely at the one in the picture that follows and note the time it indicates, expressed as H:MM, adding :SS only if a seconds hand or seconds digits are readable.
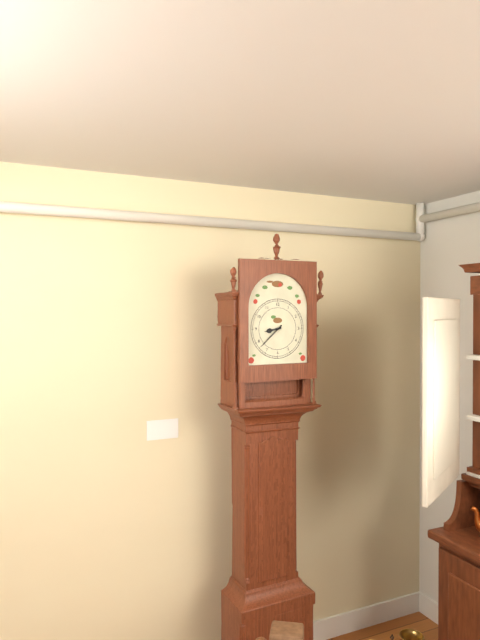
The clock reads 8:38
